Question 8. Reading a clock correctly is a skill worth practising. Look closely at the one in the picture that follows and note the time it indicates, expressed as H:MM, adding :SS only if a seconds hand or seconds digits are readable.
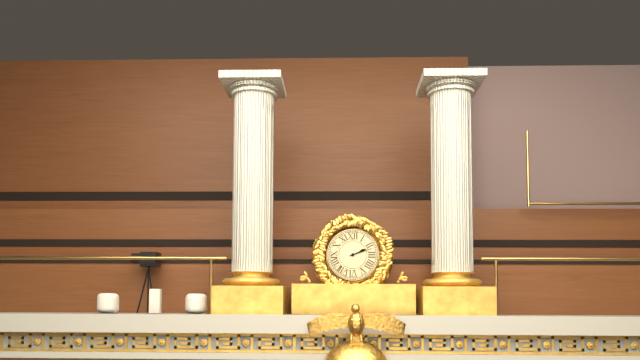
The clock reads 2:12
